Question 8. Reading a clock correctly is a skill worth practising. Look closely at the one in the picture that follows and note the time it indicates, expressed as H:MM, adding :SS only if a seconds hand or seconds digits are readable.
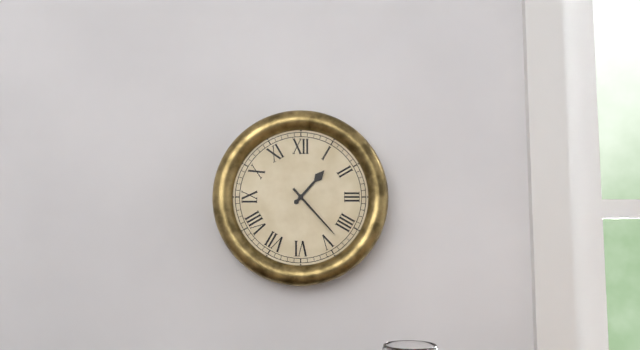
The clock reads 1:23
